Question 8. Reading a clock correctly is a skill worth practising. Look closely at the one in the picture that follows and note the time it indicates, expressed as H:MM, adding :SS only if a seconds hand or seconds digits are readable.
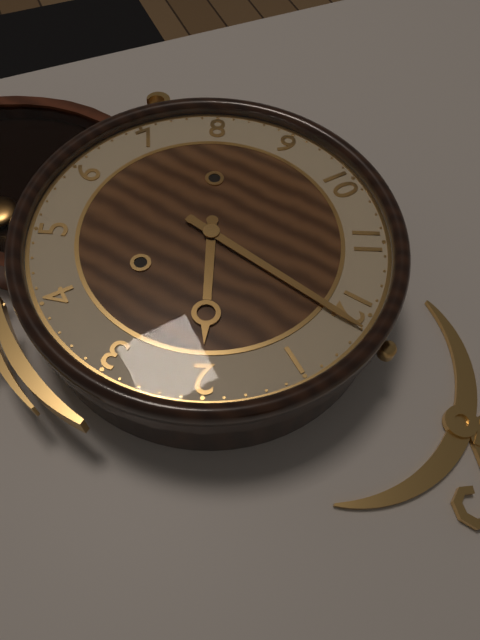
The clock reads 2:01
